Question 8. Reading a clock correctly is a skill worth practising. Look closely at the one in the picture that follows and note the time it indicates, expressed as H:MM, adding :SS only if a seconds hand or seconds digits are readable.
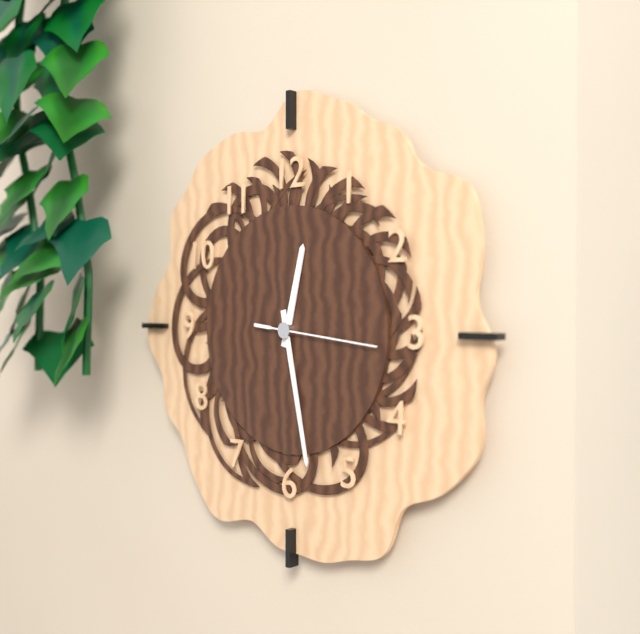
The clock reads 12:28:16
